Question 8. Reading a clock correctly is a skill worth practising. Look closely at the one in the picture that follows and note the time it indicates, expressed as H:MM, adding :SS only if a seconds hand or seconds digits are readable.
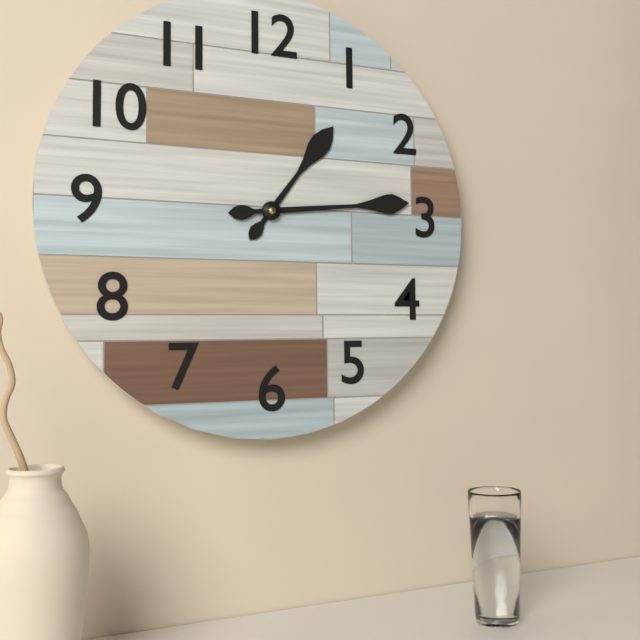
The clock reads 1:14
